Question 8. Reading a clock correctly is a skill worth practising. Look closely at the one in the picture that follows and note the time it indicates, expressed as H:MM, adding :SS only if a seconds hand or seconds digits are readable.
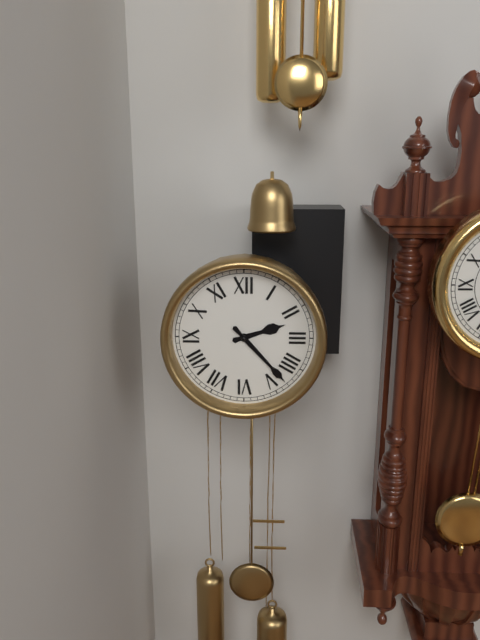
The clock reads 2:23
